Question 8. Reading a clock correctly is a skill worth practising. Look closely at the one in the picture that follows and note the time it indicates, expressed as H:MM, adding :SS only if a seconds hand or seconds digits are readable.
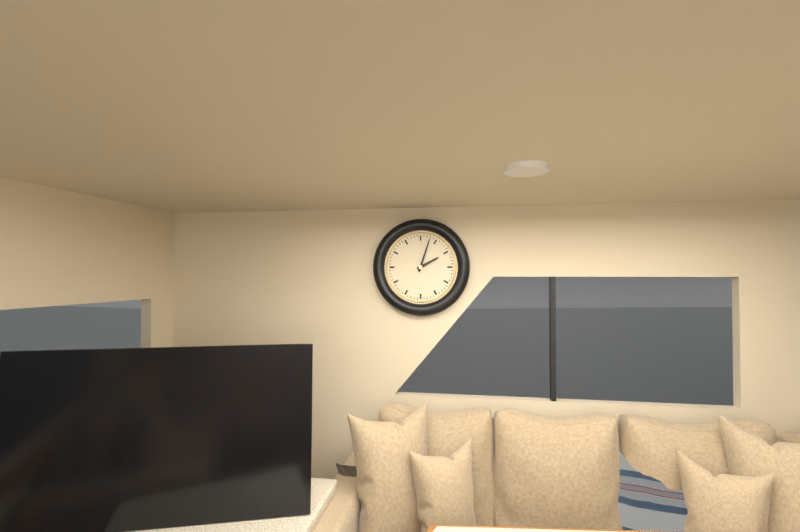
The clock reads 2:03
